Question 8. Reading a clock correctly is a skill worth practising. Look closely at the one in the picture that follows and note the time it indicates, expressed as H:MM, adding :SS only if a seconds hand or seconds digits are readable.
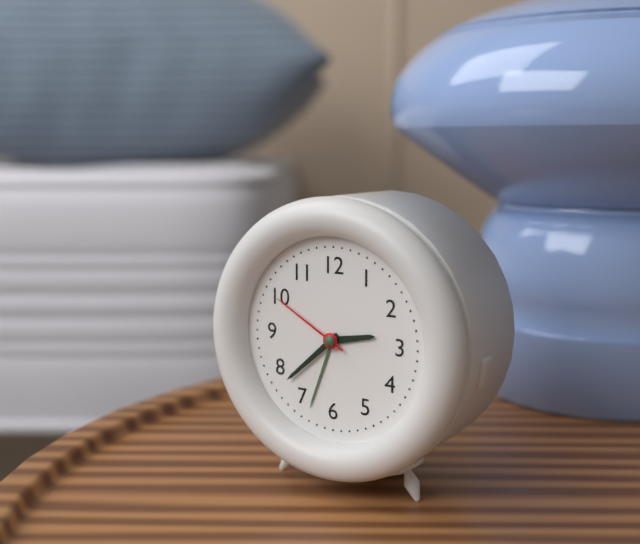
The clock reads 2:38:50
